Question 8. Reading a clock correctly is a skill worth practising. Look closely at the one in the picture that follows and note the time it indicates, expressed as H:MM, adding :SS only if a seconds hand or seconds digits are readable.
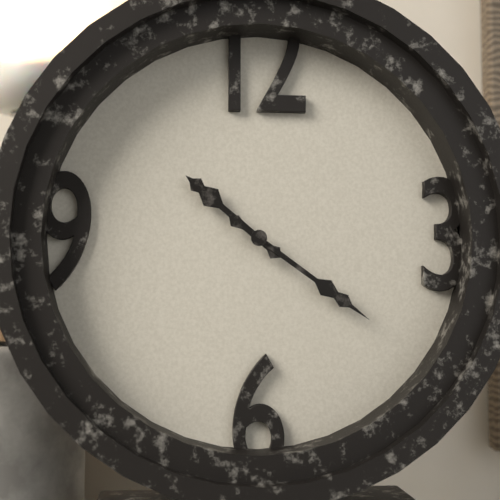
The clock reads 10:21
